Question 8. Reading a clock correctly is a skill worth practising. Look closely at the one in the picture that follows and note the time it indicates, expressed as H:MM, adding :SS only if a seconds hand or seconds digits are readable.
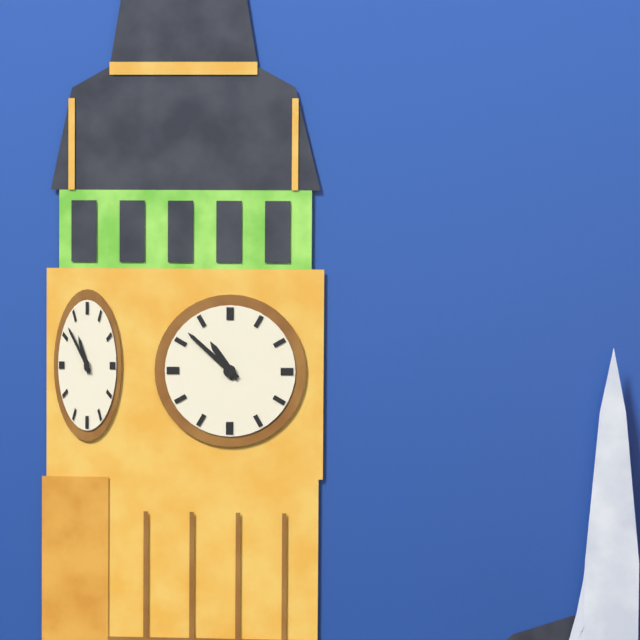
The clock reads 10:52
